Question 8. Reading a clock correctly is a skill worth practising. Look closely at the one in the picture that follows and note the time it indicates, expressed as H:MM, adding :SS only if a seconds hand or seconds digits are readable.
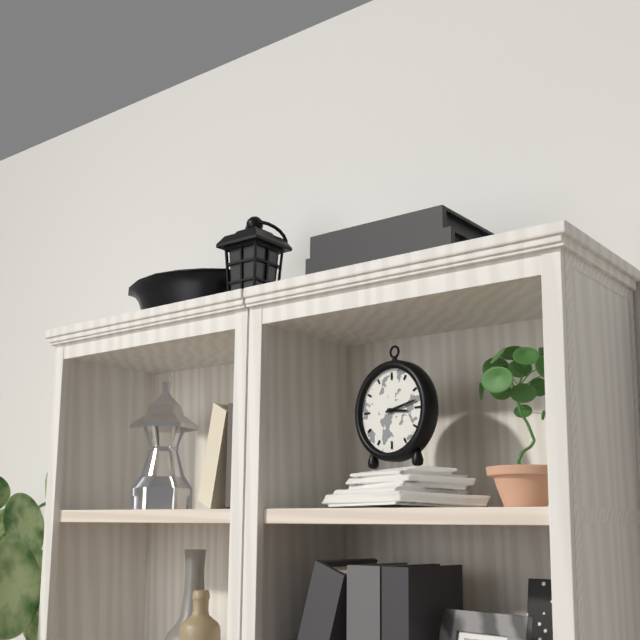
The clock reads 3:13
